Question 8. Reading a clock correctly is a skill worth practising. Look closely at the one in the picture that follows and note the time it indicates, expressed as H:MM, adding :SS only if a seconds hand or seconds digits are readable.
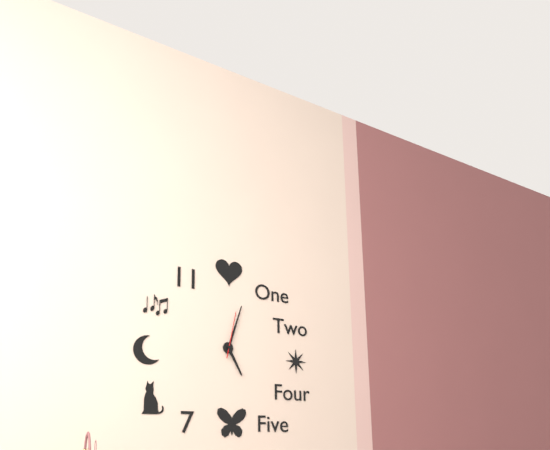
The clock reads 5:03
